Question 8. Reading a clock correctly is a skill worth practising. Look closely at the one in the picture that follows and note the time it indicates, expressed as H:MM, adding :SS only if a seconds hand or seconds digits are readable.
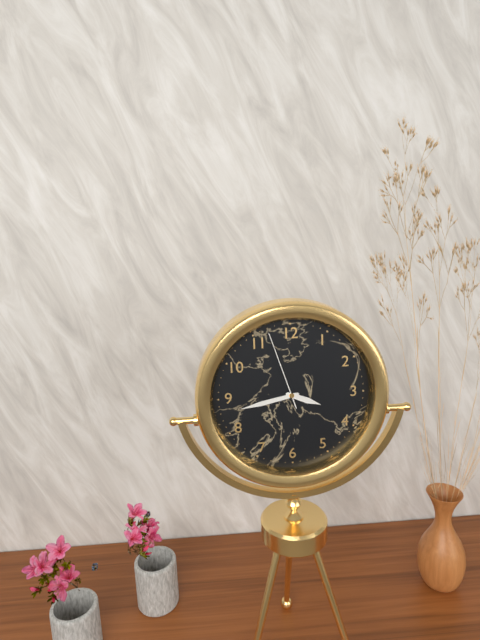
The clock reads 3:43:57
